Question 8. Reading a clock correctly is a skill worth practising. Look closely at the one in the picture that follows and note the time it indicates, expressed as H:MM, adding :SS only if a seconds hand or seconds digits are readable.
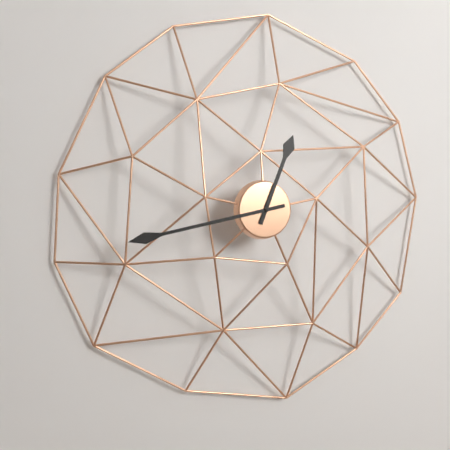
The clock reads 12:43
